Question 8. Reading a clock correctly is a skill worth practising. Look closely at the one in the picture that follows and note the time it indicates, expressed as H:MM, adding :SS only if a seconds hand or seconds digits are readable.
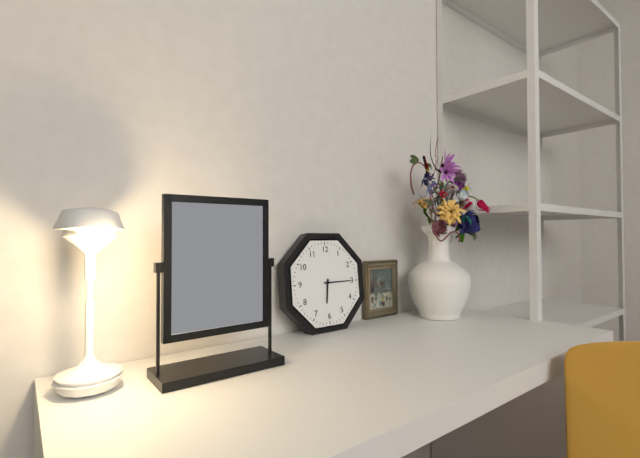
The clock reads 6:15
